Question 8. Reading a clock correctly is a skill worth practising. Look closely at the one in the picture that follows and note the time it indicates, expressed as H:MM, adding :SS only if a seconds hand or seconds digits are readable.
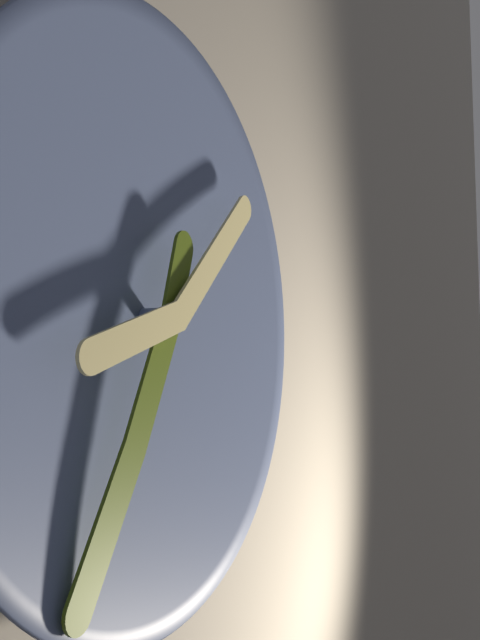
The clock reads 1:35
